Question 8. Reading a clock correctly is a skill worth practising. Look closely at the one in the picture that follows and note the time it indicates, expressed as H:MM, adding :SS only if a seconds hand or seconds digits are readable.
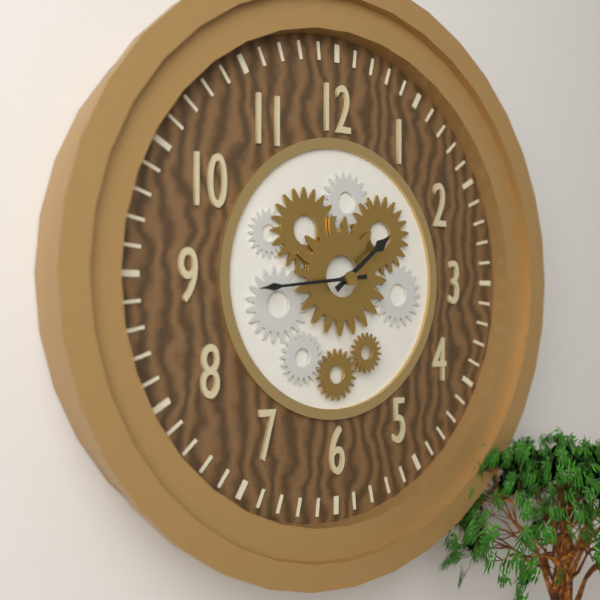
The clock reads 1:44
